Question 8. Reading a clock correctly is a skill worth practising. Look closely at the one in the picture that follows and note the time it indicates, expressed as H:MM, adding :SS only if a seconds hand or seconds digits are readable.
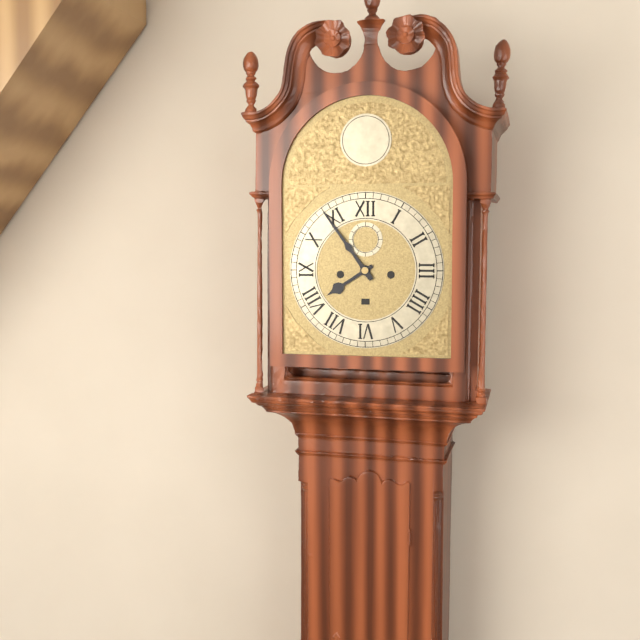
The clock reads 7:54
